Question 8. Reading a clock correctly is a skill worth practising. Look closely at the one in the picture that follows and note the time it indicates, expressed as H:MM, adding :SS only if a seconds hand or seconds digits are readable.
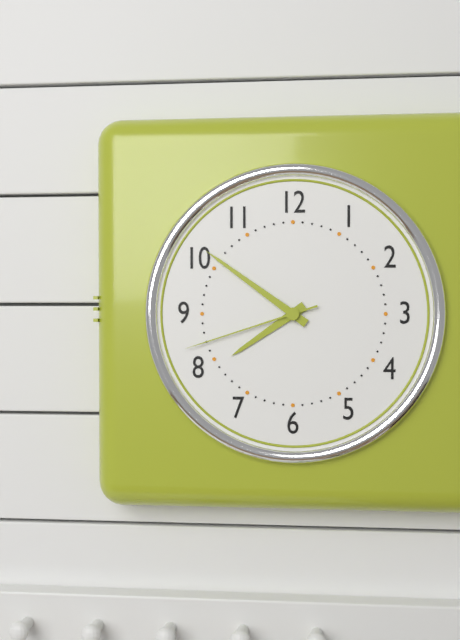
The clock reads 7:51:42
